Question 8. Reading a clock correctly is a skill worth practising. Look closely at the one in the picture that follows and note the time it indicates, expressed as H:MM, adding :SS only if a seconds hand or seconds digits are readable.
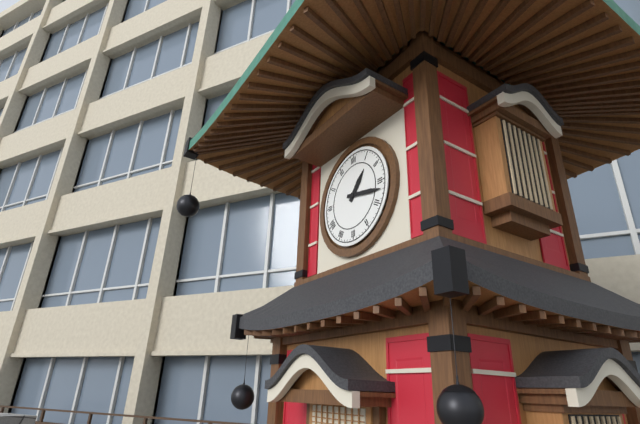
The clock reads 1:17
